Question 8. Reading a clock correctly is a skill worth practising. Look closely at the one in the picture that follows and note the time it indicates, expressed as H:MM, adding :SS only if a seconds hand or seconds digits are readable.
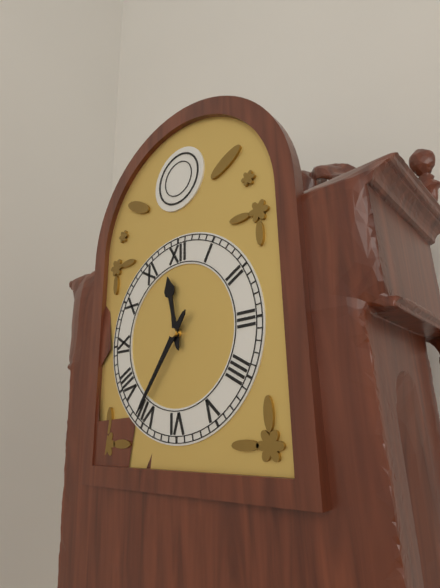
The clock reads 11:36
